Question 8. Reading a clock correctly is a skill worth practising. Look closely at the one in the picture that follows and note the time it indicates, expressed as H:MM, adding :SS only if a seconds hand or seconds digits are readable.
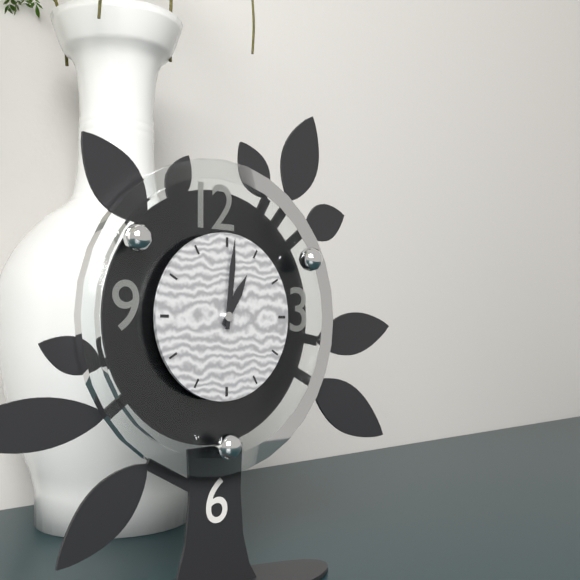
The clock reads 1:01
